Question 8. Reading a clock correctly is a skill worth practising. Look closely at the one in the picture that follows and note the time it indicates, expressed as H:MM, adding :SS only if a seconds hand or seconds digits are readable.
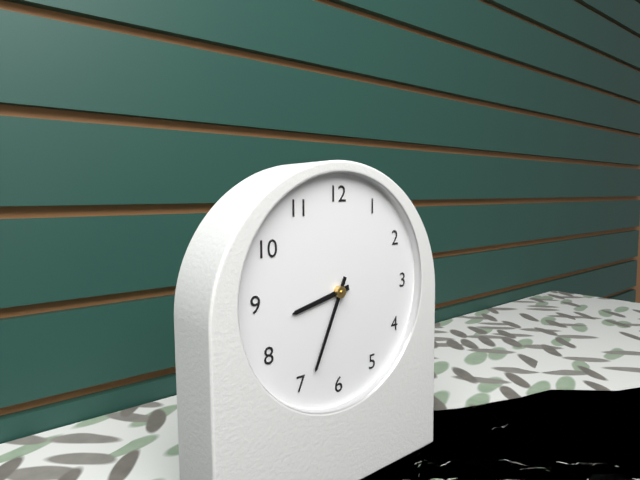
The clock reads 8:34
